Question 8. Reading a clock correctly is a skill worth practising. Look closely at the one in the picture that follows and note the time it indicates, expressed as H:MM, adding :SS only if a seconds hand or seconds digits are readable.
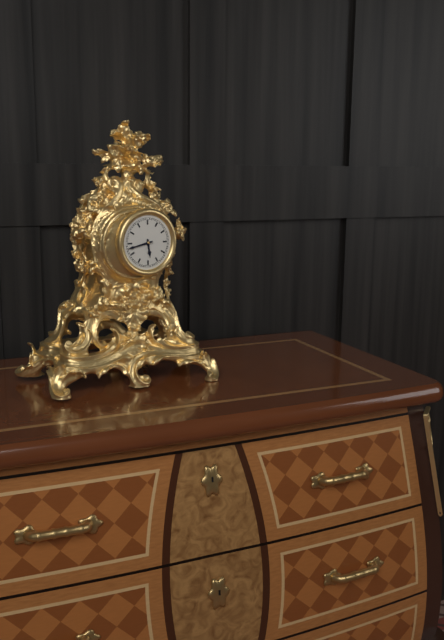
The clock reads 5:43
